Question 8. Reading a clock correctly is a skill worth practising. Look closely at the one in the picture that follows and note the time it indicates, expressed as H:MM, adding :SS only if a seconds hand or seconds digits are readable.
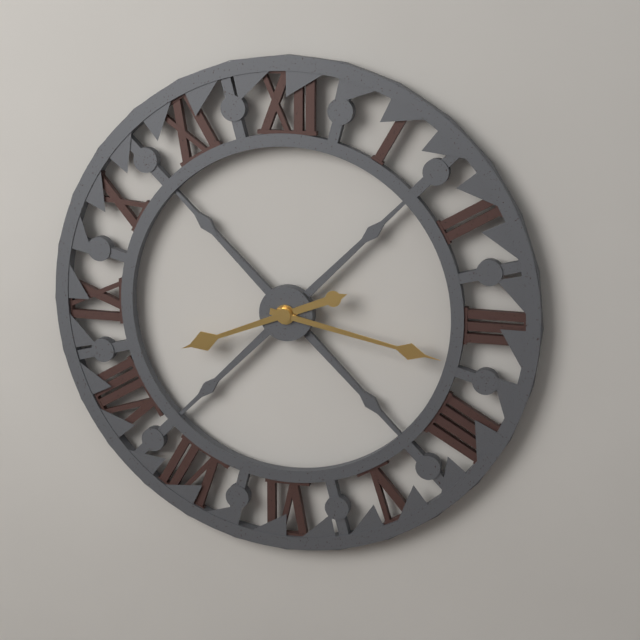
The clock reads 8:17
